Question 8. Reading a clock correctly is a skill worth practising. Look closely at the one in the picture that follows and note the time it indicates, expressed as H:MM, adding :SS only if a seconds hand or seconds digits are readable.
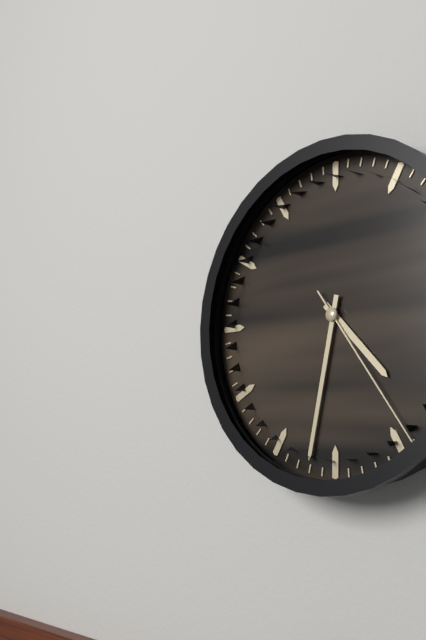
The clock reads 4:32:24
